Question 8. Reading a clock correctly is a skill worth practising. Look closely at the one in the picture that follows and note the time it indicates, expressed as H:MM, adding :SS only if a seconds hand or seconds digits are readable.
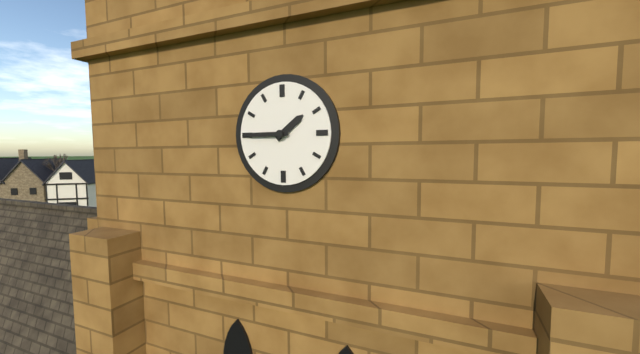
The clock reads 1:45
